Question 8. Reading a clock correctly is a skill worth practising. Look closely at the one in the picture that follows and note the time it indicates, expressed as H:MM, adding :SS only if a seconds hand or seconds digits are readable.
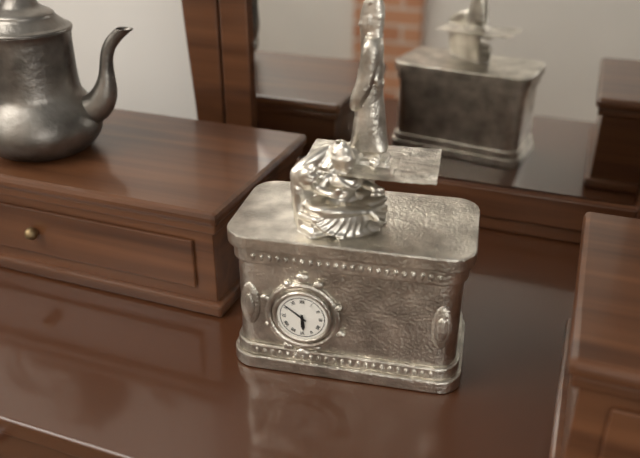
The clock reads 5:51
